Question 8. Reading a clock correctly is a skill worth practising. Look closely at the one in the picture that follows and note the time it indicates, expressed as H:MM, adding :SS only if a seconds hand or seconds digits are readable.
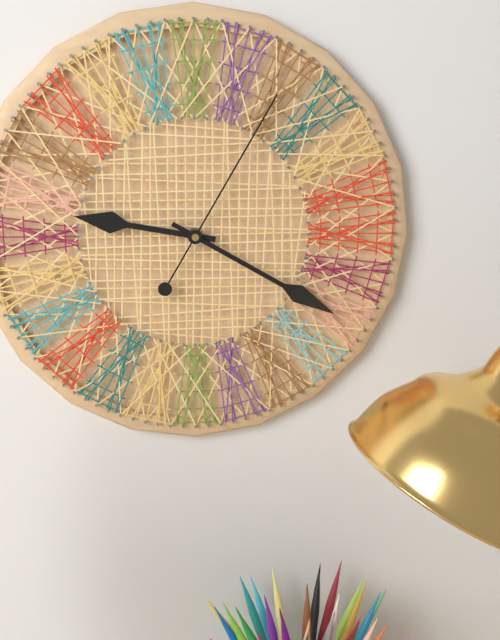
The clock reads 9:20:05
